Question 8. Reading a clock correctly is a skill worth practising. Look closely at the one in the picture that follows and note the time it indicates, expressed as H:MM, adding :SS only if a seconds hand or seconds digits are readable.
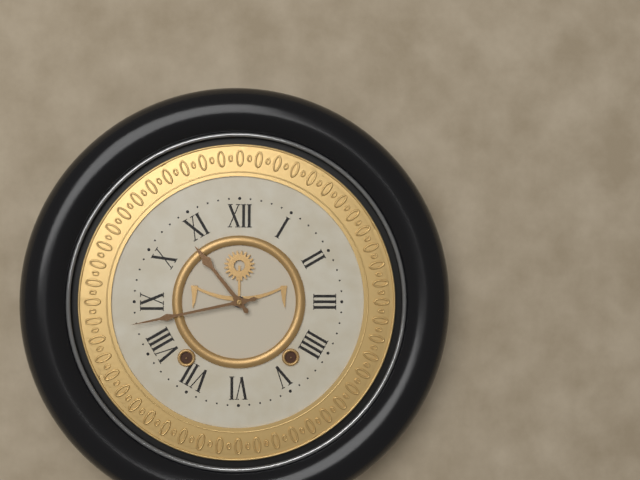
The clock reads 10:43
